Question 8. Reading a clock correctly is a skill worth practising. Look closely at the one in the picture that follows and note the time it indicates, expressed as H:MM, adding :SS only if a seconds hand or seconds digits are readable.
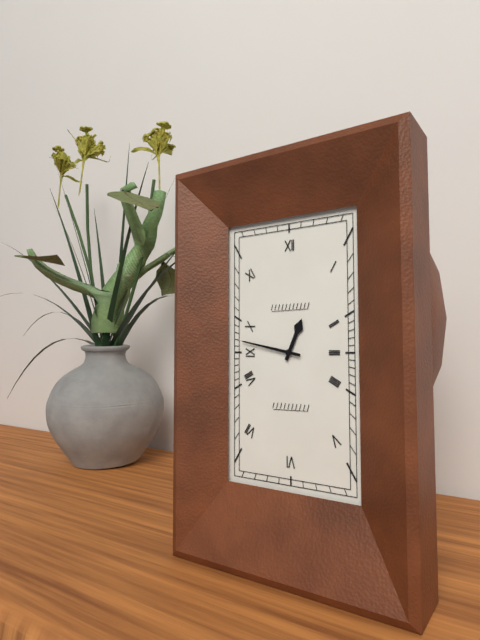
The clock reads 12:47
